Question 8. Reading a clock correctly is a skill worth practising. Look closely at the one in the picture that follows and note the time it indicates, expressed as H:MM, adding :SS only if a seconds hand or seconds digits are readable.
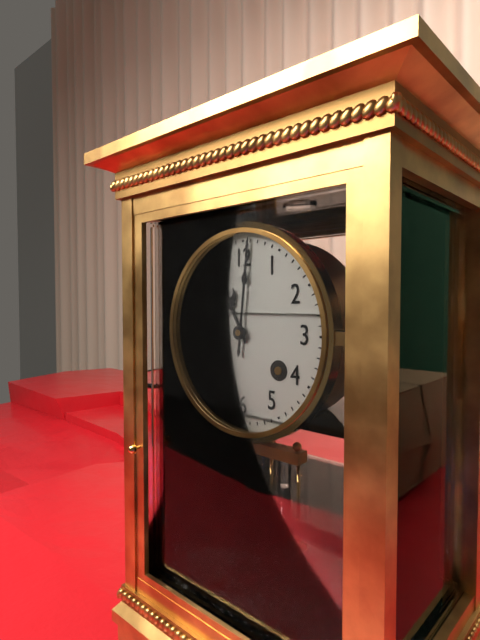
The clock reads 11:01
